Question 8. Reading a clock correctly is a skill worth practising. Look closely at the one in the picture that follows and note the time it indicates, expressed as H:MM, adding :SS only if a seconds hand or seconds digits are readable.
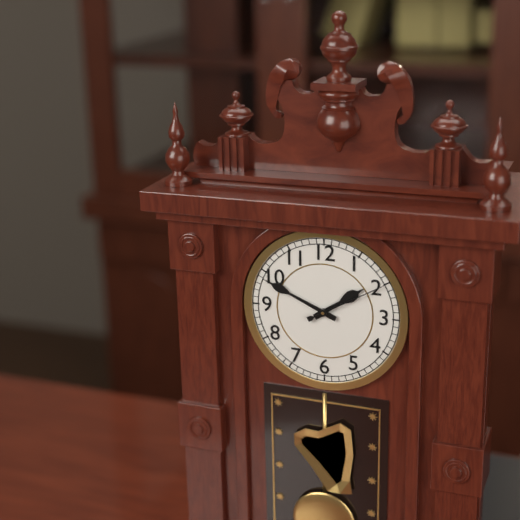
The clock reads 1:49:10
